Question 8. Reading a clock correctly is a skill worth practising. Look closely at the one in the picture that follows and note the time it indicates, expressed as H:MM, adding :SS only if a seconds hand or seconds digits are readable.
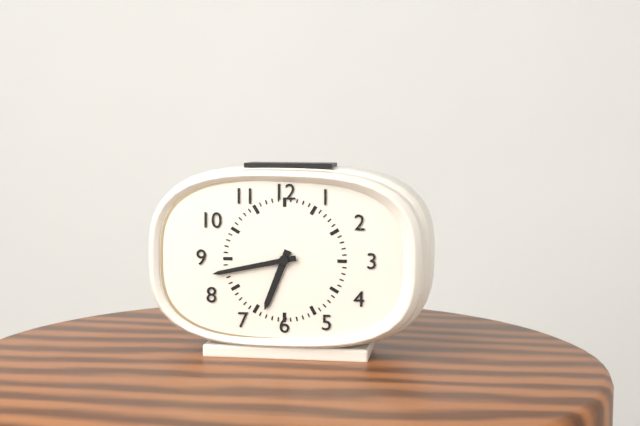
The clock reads 6:43
